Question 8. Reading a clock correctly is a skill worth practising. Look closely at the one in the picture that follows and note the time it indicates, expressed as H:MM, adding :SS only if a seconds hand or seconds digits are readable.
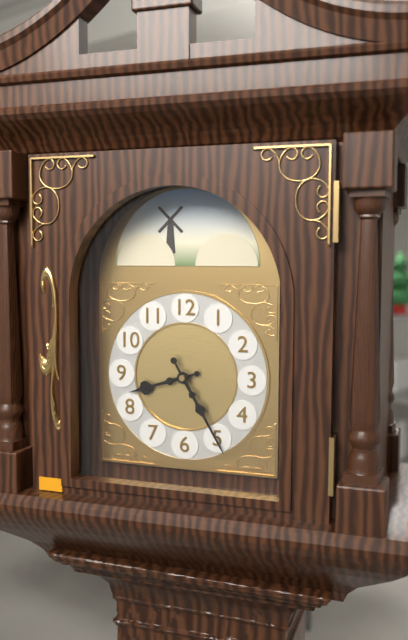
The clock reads 8:25
